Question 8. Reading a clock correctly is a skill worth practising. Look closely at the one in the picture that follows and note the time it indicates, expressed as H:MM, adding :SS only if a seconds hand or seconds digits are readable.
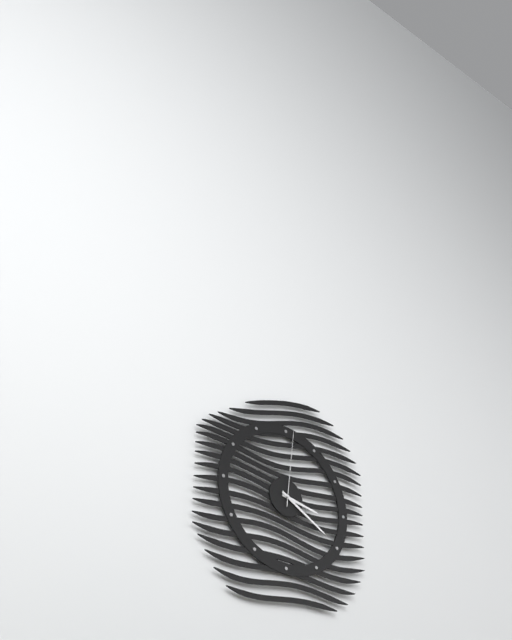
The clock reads 3:20:01
